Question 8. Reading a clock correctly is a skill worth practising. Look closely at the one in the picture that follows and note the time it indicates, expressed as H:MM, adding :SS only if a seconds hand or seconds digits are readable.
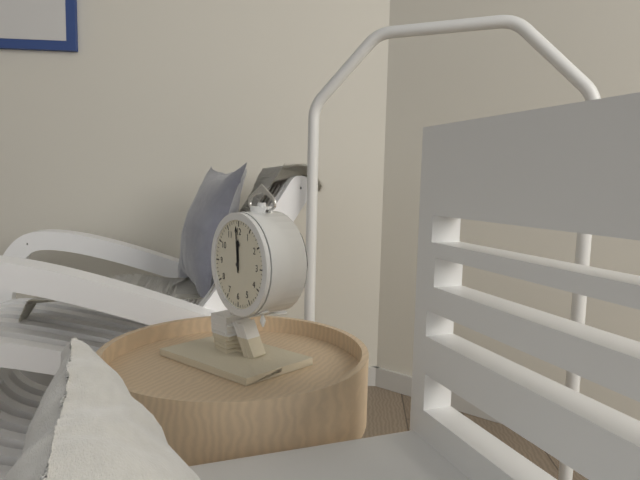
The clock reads 11:59
